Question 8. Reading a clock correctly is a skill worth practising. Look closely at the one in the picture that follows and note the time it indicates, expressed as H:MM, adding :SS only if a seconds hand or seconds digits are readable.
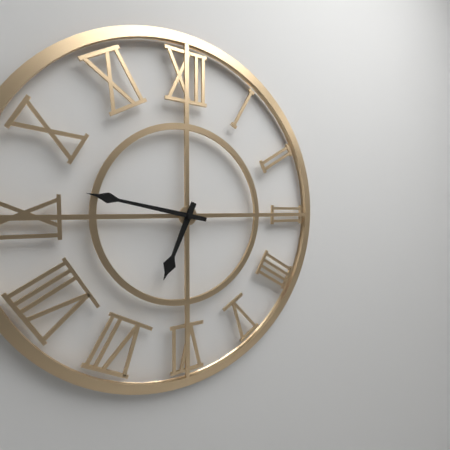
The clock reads 6:47
